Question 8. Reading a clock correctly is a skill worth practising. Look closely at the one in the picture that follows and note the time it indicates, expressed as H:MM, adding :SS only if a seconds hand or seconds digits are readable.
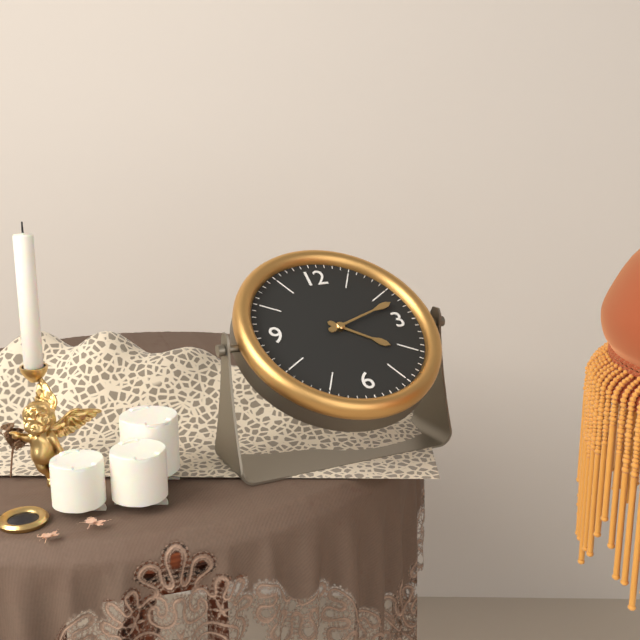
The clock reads 4:12
